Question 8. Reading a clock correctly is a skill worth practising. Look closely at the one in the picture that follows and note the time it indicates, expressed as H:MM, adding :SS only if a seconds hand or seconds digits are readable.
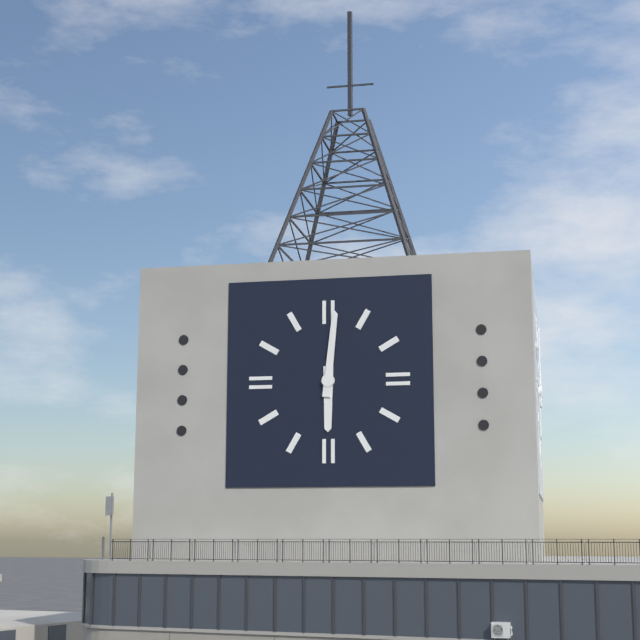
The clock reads 6:01
